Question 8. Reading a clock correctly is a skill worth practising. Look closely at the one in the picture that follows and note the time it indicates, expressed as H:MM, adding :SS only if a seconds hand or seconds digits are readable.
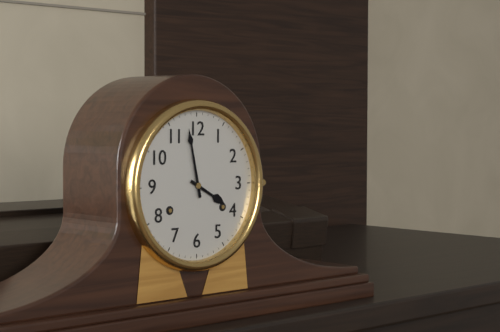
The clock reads 3:58
